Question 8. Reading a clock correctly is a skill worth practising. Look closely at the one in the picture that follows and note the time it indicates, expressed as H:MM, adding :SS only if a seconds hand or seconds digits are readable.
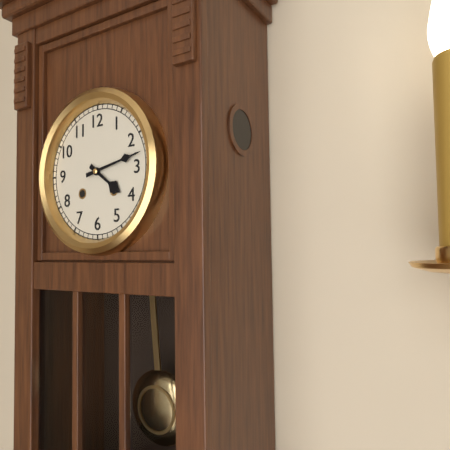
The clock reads 4:13
